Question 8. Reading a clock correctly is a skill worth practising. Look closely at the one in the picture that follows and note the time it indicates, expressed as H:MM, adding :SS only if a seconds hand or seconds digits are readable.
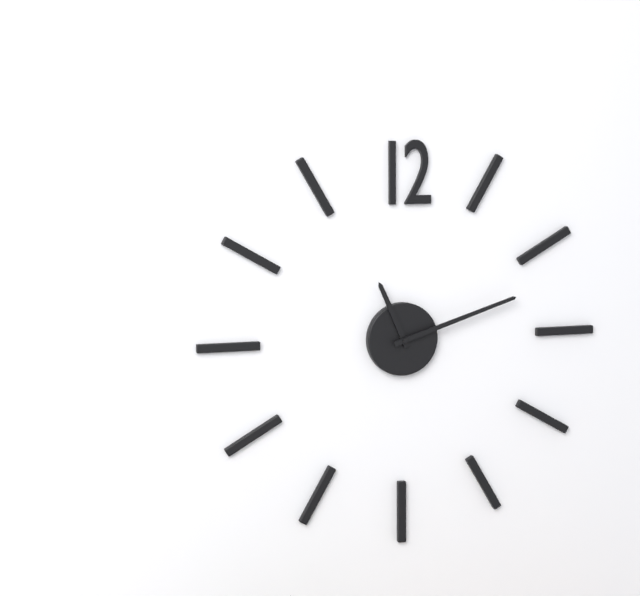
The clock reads 11:12
